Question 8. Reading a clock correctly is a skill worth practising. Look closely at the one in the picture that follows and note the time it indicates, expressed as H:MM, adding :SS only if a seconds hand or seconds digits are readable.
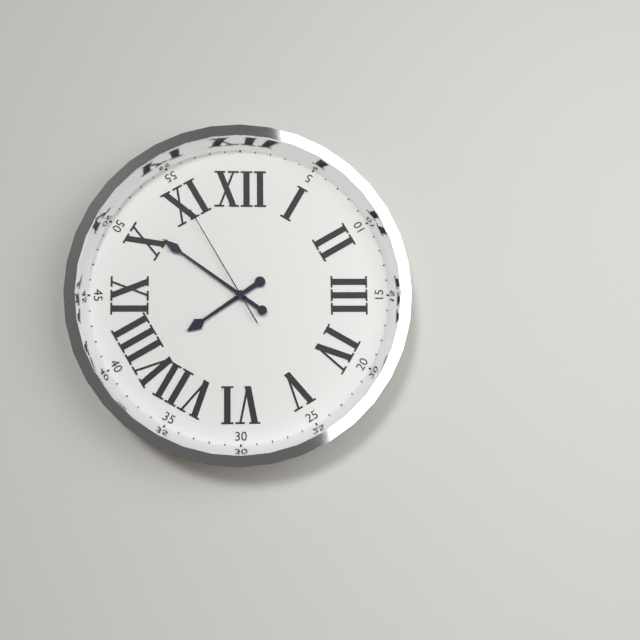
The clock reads 7:51:55
